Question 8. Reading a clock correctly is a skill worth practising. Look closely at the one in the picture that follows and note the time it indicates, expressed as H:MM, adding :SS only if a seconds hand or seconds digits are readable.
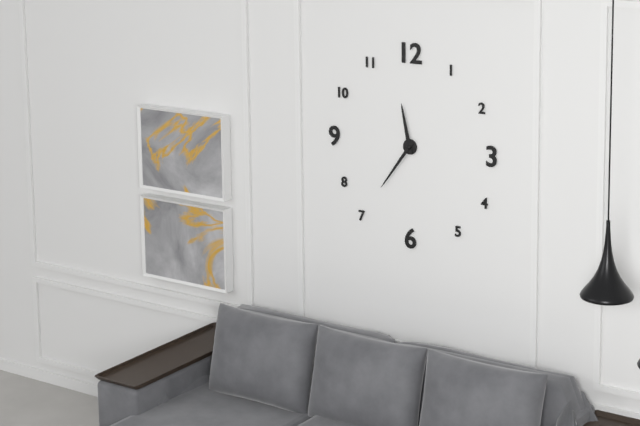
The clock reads 11:36
